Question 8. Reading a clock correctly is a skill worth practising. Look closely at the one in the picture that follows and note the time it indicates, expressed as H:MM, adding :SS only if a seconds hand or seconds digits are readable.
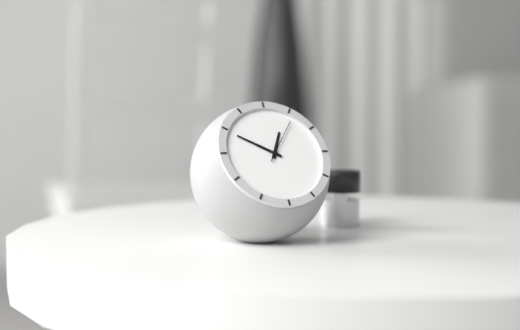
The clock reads 12:50:06
